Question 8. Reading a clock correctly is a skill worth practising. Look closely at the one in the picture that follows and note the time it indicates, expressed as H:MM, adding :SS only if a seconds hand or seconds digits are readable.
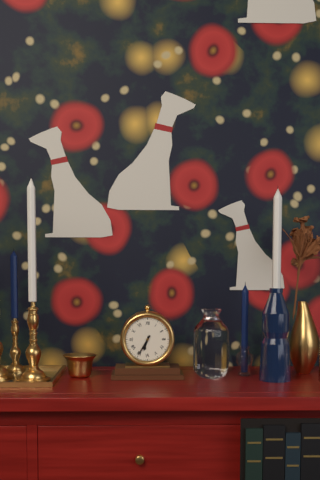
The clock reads 6:35
